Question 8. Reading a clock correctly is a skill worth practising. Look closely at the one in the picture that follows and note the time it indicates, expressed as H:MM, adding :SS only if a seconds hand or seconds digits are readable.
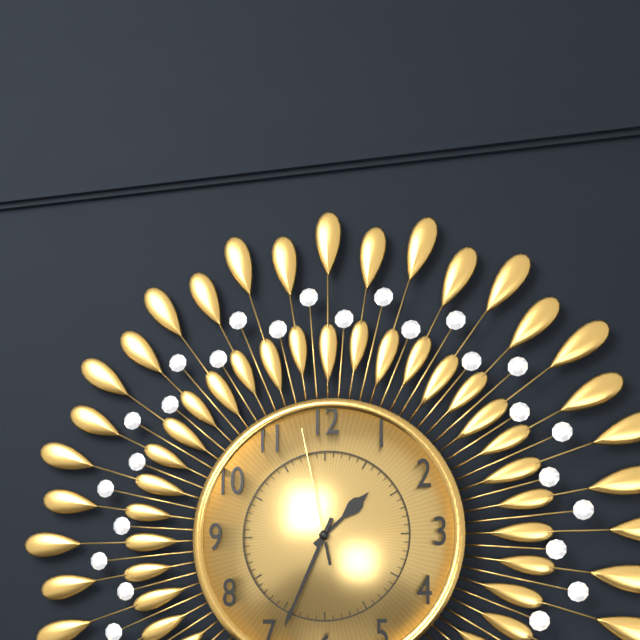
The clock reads 1:34:58
